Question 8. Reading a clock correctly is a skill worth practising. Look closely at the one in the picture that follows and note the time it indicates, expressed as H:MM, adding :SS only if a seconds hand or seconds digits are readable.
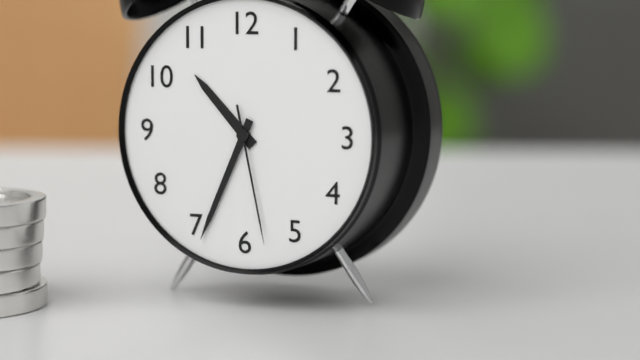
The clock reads 10:34:28
